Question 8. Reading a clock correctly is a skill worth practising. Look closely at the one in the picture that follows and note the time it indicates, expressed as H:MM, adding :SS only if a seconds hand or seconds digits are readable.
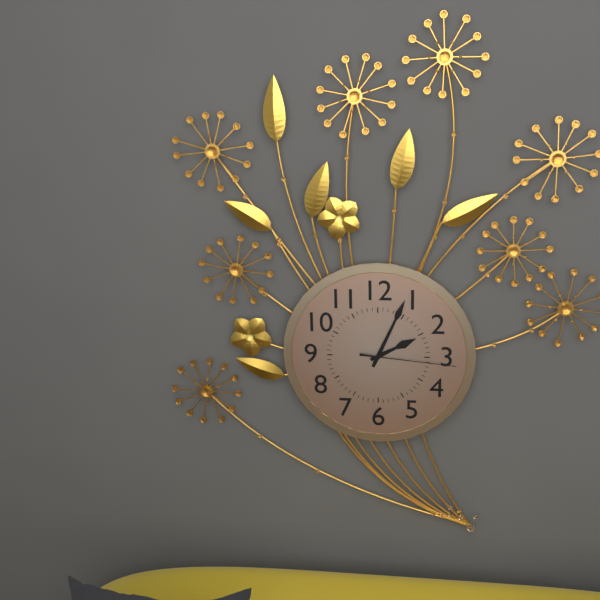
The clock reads 2:04:16
